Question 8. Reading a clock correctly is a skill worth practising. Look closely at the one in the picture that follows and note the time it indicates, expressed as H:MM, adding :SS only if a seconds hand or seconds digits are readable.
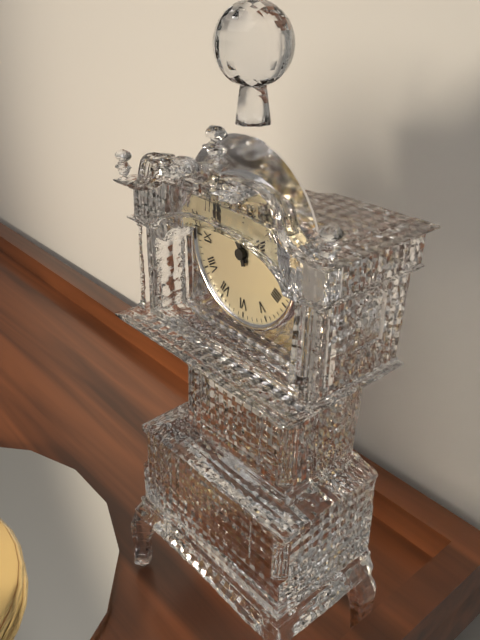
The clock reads 10:57
